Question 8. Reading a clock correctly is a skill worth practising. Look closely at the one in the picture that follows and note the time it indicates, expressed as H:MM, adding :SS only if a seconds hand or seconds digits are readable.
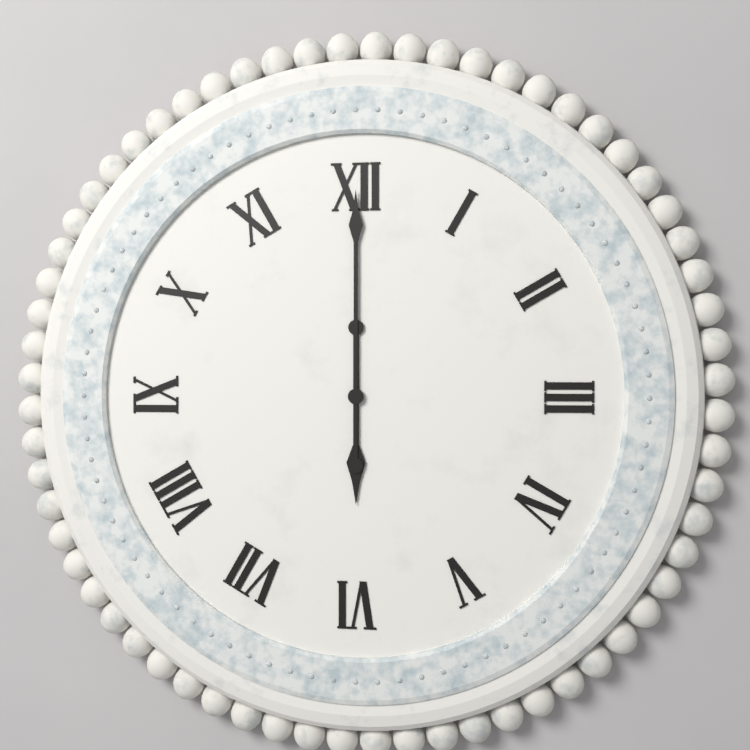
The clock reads 6:00
